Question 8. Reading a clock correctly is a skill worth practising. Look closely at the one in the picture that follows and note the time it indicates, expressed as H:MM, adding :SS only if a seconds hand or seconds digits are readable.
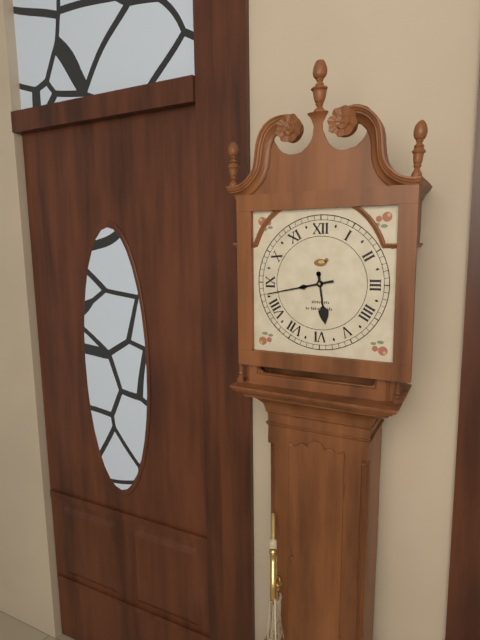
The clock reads 5:43
